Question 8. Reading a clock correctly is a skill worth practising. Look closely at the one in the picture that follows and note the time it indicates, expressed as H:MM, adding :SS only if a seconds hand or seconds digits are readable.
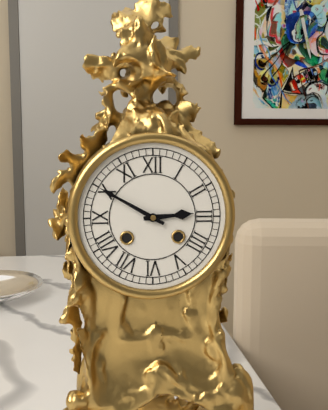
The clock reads 2:50
